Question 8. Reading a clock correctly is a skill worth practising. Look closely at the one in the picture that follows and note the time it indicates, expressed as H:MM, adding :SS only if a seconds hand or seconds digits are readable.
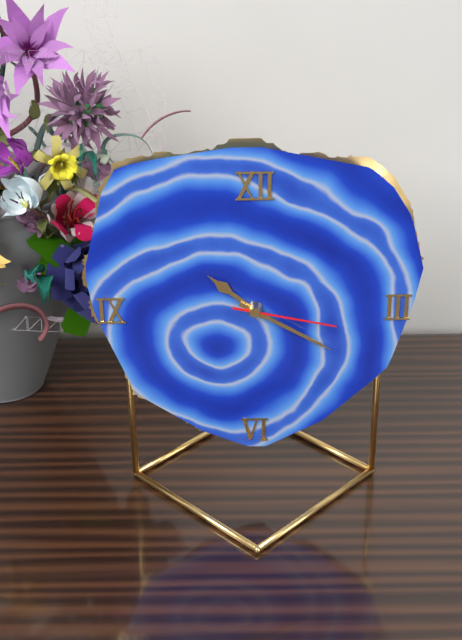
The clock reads 10:20:17
